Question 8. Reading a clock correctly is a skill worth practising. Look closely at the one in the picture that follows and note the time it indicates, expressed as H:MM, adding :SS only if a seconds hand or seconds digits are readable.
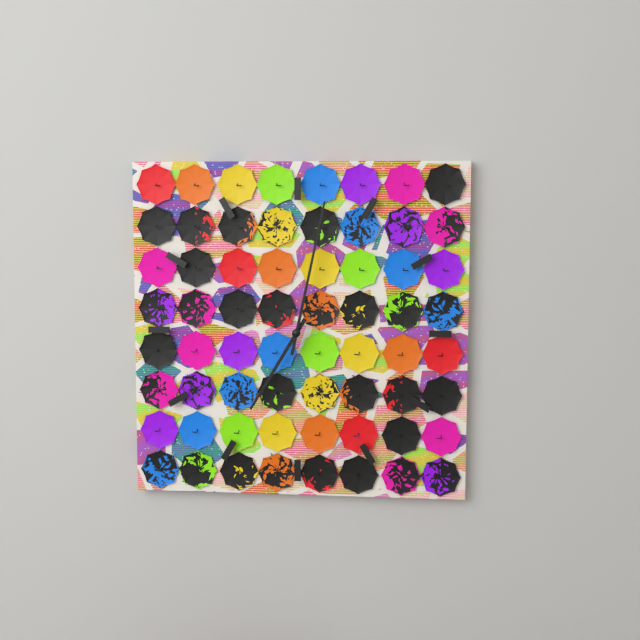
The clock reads 7:02
